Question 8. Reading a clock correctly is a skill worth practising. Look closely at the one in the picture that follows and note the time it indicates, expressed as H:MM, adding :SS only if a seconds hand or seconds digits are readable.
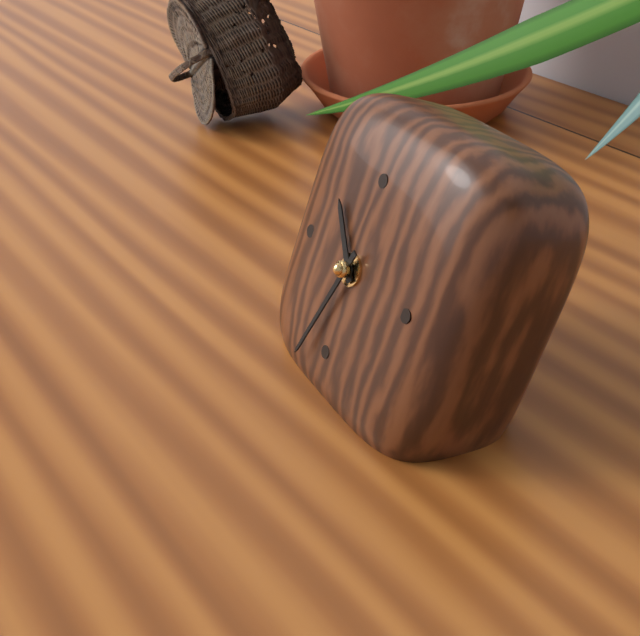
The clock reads 10:33
